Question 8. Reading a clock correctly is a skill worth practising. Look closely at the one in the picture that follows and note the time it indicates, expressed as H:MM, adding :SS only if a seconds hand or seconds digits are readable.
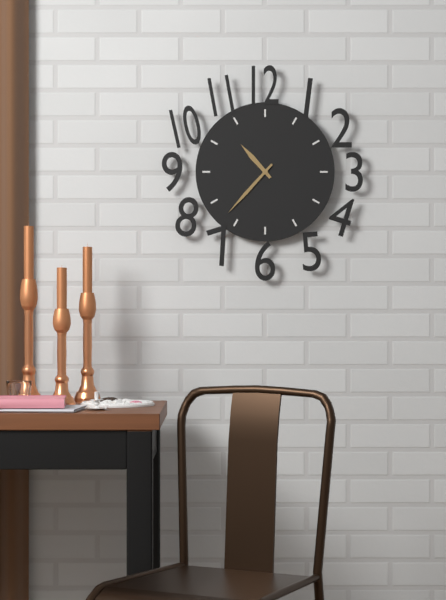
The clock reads 10:37
